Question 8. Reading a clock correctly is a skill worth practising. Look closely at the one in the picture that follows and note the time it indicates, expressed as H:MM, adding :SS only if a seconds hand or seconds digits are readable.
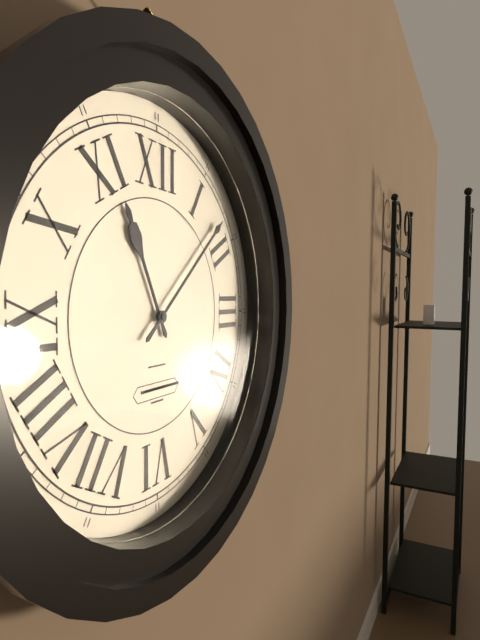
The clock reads 11:08
